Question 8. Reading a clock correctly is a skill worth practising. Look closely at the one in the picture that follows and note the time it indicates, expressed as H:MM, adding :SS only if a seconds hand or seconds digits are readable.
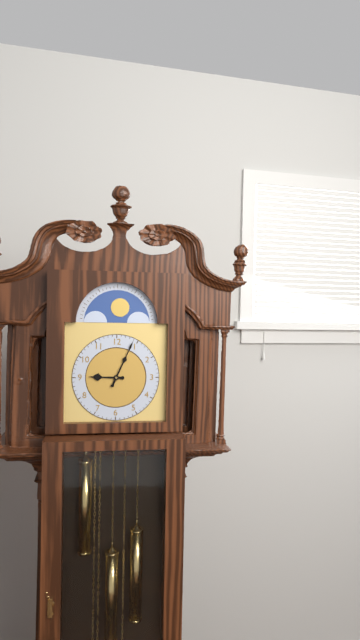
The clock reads 9:04
